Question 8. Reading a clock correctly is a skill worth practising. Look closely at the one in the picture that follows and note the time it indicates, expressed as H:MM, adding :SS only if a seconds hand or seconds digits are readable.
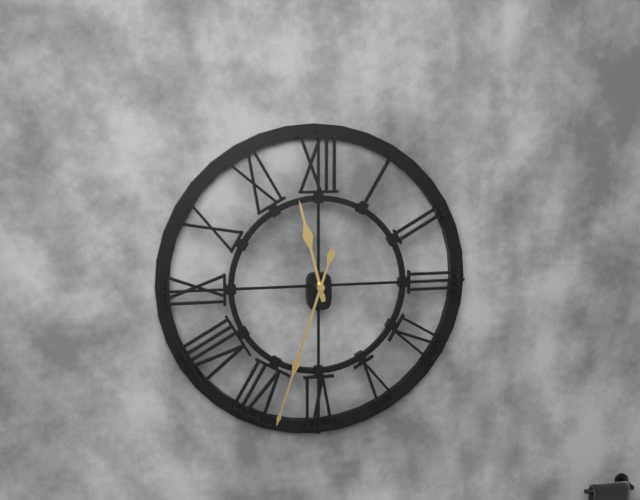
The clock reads 11:33
